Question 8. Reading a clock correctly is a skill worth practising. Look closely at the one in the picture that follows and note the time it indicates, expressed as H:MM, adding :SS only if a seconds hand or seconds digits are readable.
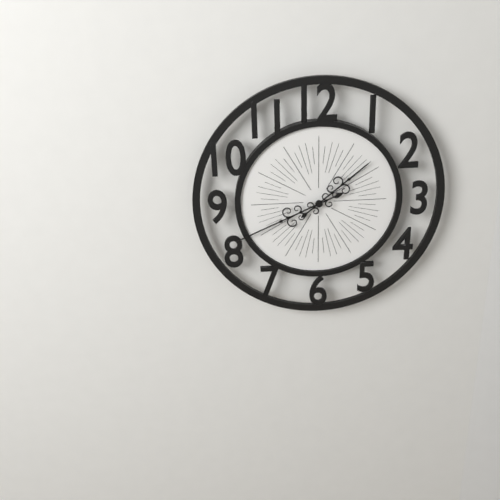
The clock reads 1:41
